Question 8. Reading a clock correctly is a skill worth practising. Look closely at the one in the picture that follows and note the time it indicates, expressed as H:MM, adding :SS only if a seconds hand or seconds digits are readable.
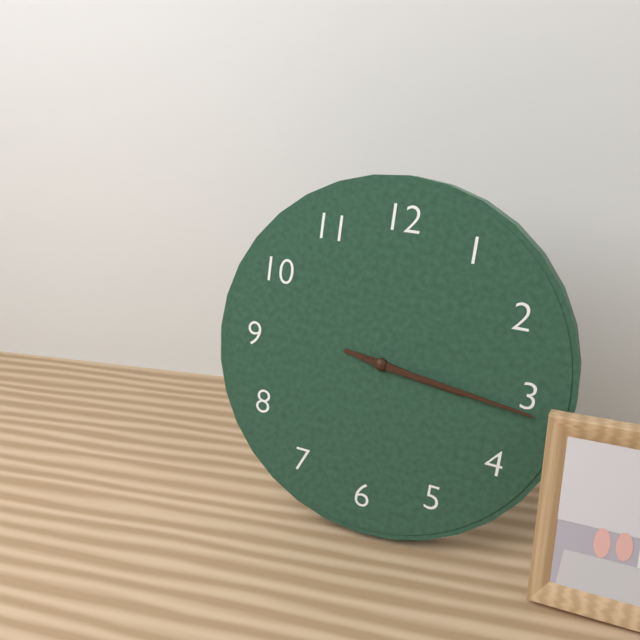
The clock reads 3:16
